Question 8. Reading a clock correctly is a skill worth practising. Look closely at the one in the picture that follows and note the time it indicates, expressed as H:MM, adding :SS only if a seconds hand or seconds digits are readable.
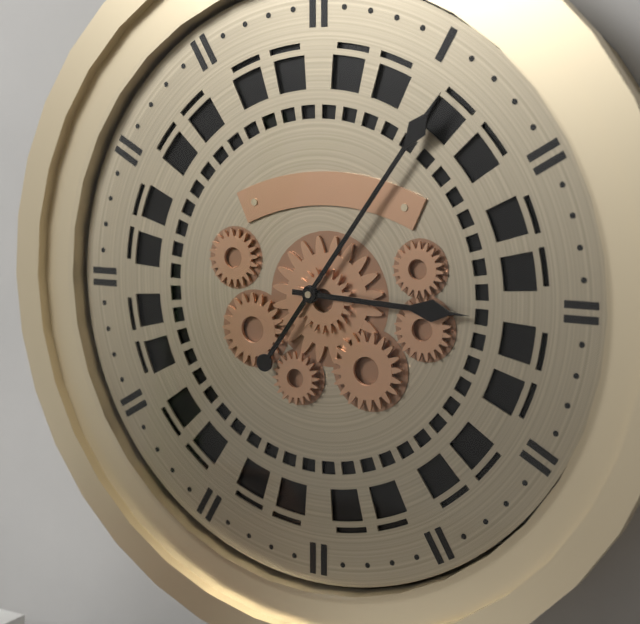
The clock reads 3:06
